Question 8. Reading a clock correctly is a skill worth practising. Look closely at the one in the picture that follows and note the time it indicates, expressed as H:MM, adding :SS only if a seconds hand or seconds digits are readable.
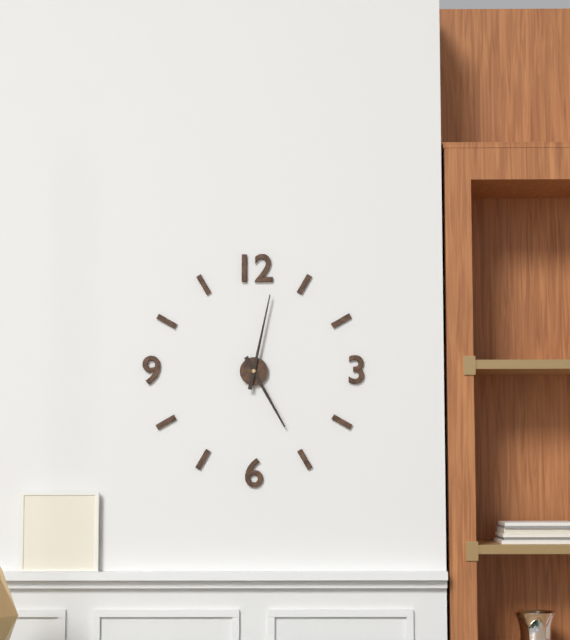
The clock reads 5:02
